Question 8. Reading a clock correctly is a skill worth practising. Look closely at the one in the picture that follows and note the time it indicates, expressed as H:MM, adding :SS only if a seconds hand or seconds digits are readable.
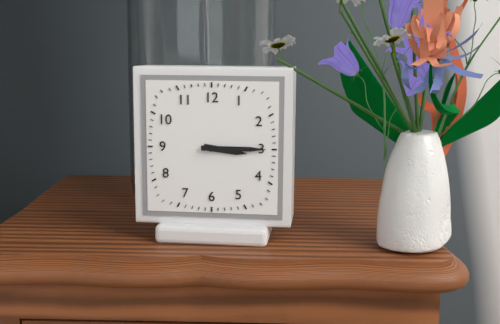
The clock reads 3:15
